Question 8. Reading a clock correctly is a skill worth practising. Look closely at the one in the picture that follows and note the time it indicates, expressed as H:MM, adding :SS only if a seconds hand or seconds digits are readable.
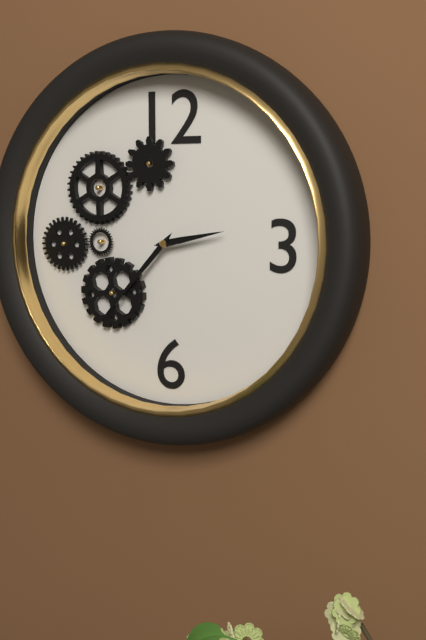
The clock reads 2:37
